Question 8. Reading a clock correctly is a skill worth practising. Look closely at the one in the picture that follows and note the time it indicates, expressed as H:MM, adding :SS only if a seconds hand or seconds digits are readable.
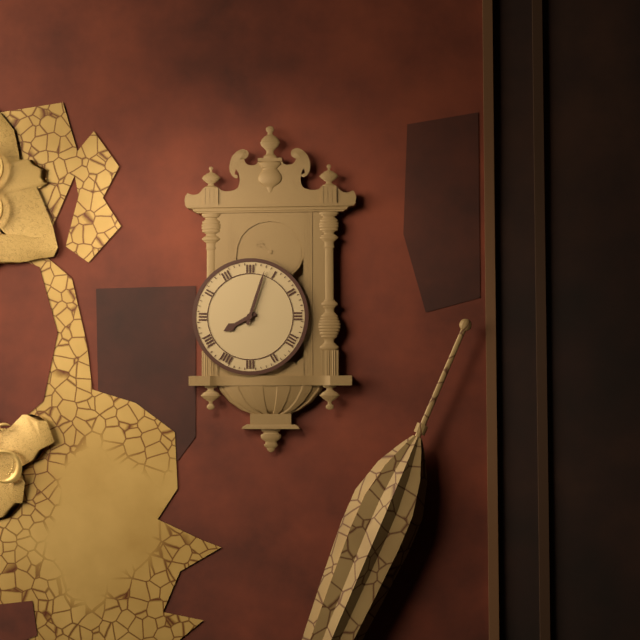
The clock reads 8:03
